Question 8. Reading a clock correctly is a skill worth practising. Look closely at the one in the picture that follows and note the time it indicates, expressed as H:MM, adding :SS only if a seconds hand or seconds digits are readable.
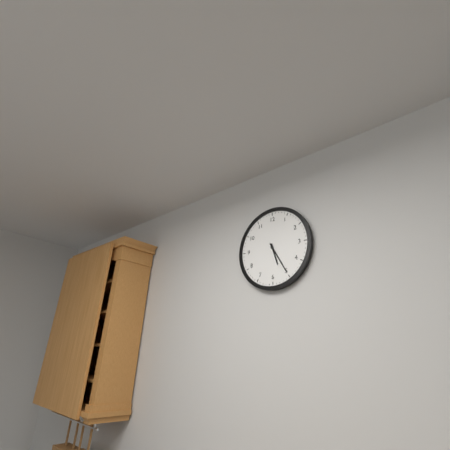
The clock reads 5:25
